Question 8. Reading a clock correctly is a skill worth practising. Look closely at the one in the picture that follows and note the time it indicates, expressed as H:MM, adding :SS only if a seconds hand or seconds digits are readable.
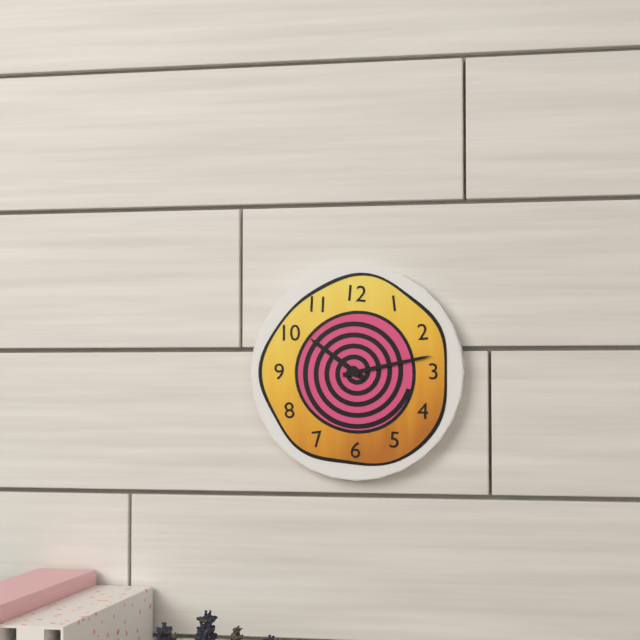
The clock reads 10:13
